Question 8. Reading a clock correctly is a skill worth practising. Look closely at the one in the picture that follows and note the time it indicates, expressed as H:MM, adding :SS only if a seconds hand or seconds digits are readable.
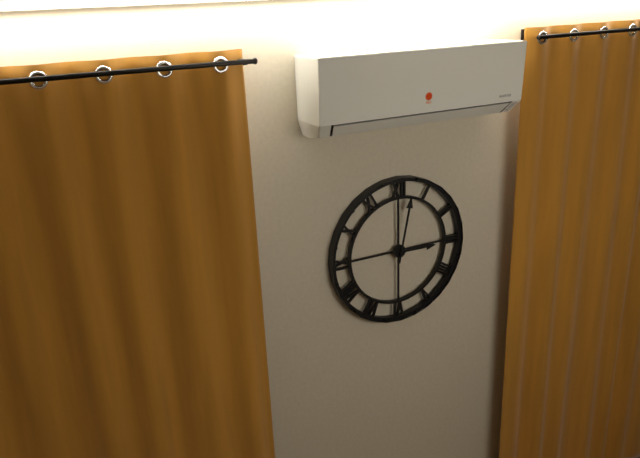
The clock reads 3:02
